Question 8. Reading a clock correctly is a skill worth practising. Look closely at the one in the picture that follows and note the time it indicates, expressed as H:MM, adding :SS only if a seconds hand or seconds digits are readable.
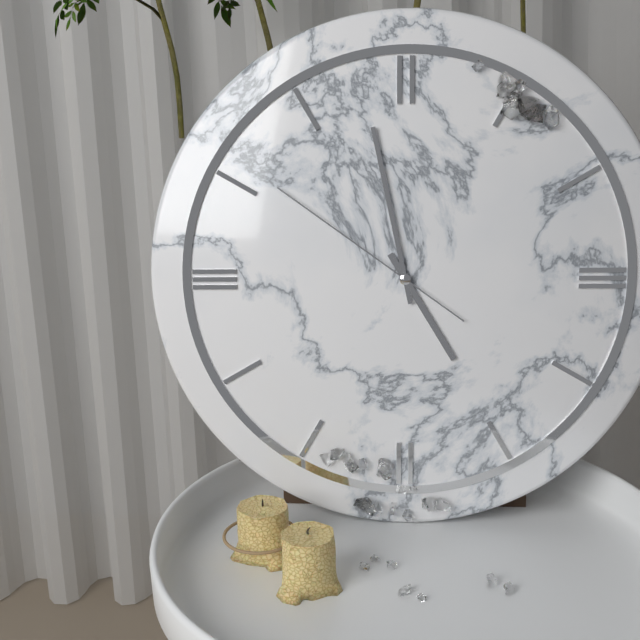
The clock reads 4:58:51
